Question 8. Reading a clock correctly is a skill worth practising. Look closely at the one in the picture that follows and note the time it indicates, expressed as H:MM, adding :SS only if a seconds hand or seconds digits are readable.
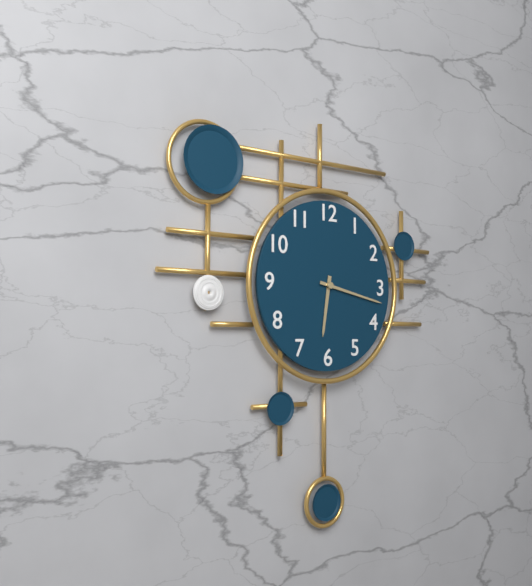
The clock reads 6:17
